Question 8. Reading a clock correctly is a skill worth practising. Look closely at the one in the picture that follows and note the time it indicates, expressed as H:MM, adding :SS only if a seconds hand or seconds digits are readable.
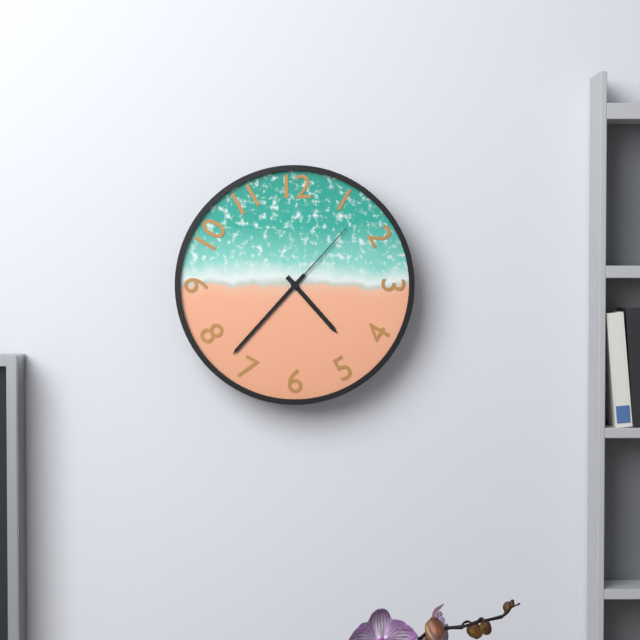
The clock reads 4:37:07
